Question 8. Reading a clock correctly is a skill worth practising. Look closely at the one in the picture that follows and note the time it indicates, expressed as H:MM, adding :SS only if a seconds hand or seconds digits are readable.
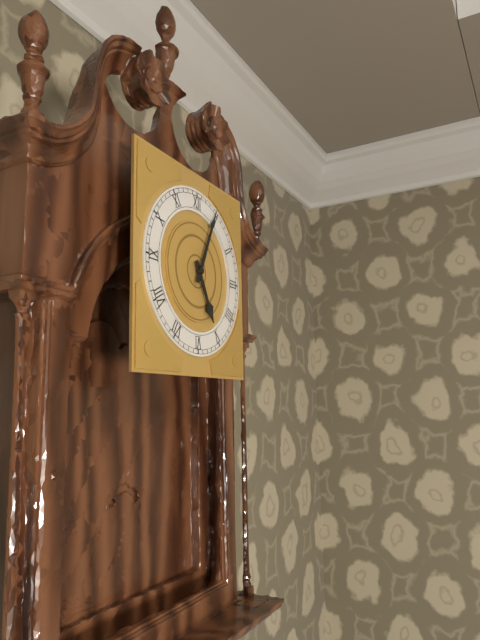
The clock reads 5:04
